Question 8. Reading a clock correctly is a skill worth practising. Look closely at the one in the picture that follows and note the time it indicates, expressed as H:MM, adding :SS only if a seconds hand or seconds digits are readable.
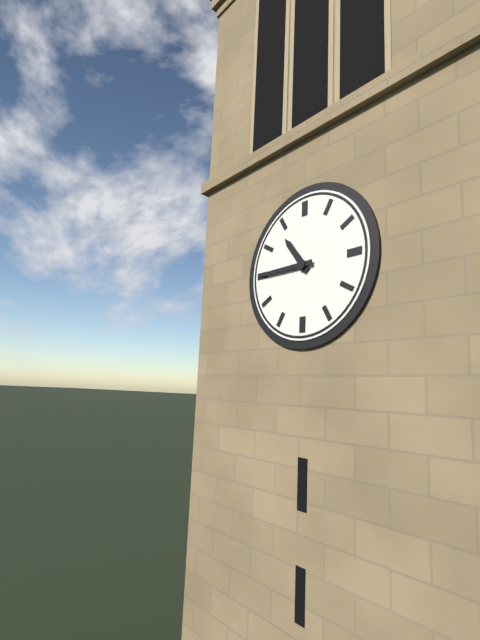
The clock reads 10:45
